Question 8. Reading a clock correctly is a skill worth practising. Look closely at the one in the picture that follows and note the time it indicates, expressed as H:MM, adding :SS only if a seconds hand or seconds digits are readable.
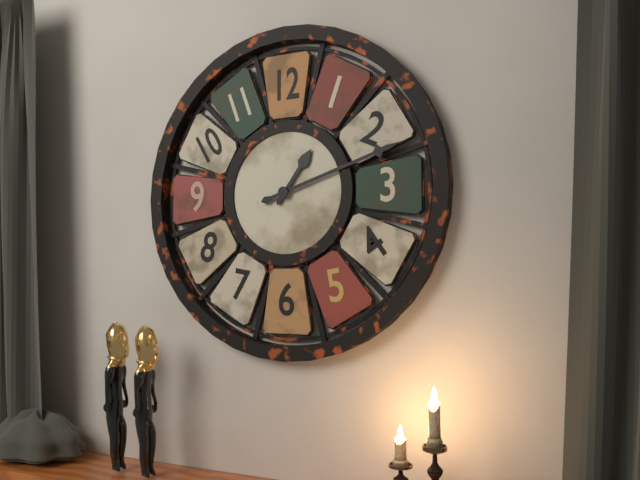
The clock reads 1:12
